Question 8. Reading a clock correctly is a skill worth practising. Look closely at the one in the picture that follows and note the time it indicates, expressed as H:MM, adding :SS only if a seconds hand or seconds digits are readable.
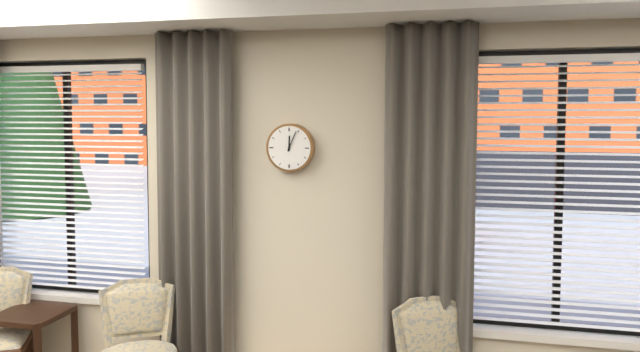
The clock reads 12:04
